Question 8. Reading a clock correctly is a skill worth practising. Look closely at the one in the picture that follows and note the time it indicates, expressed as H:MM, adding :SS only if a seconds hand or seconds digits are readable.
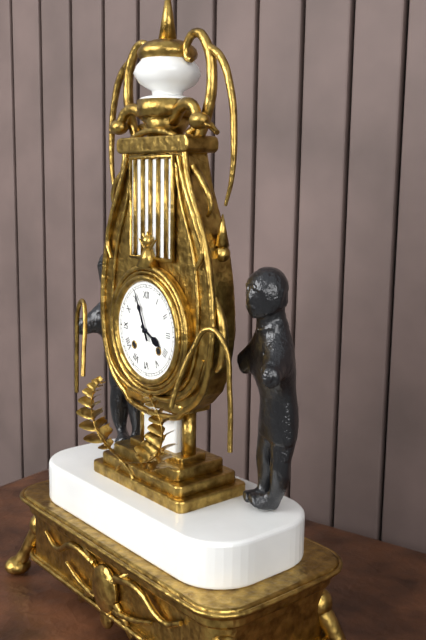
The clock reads 3:56
